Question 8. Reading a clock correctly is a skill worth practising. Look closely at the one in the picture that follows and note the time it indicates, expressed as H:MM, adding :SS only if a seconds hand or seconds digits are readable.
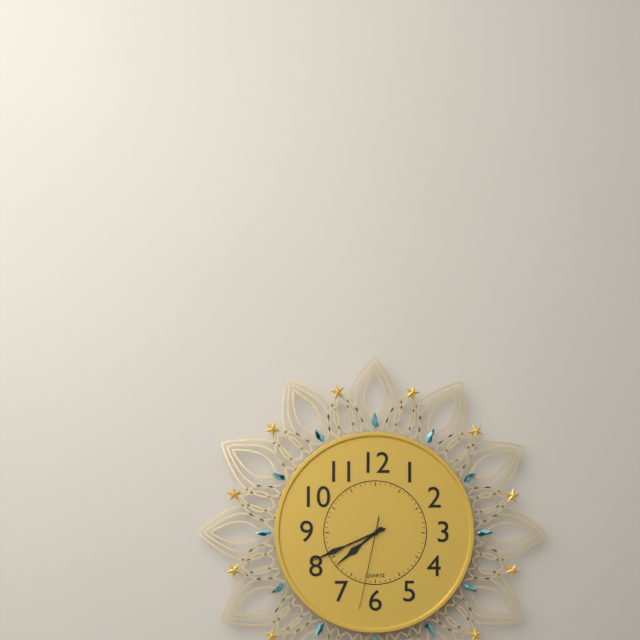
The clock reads 7:41:32
